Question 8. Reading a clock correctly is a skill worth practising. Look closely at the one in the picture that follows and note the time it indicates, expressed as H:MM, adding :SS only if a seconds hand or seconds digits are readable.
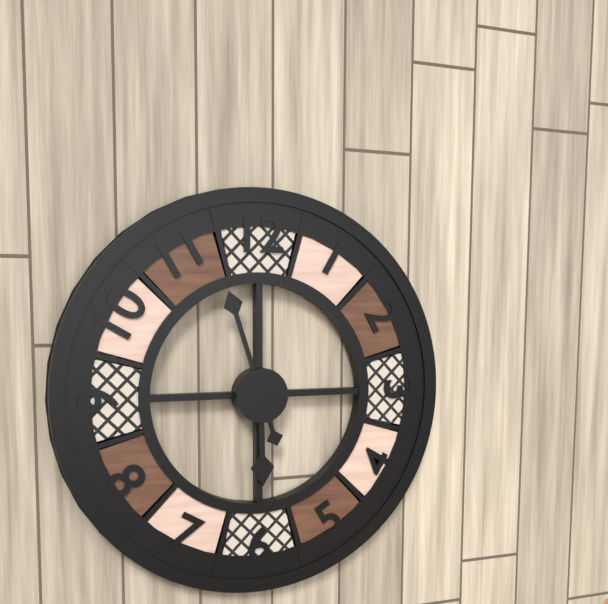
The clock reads 5:57
